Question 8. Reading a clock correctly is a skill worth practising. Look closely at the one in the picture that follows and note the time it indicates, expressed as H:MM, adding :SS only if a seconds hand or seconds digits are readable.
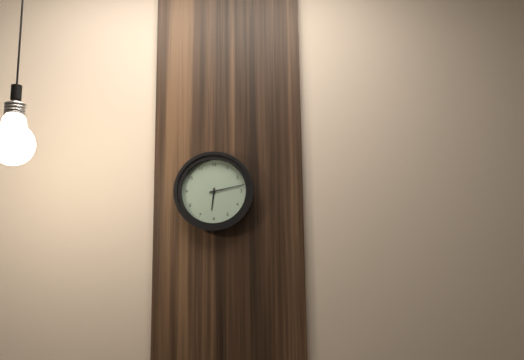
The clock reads 6:13
